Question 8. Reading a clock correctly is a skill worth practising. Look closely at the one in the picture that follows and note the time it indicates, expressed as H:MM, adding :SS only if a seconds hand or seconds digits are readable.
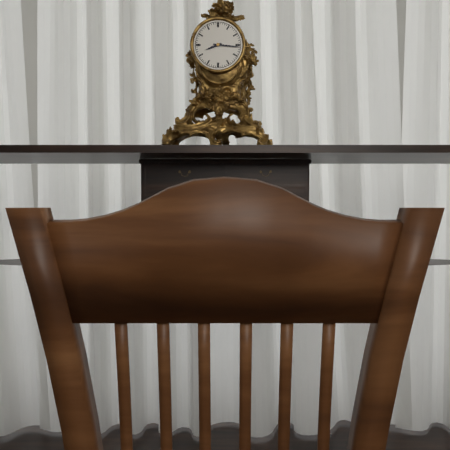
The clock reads 8:16
